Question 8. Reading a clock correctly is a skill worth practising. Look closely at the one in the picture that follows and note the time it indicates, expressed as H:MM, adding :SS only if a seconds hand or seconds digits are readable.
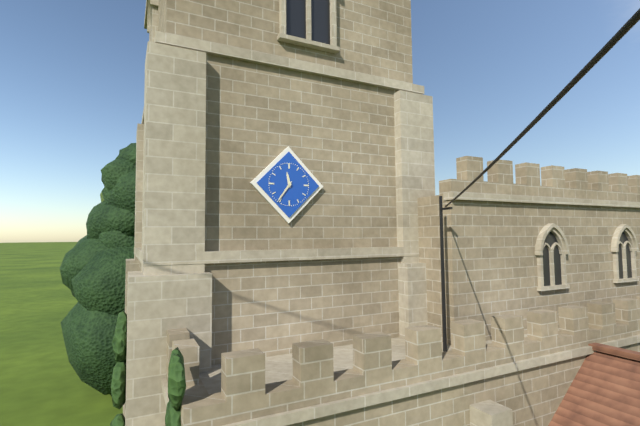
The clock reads 11:36
